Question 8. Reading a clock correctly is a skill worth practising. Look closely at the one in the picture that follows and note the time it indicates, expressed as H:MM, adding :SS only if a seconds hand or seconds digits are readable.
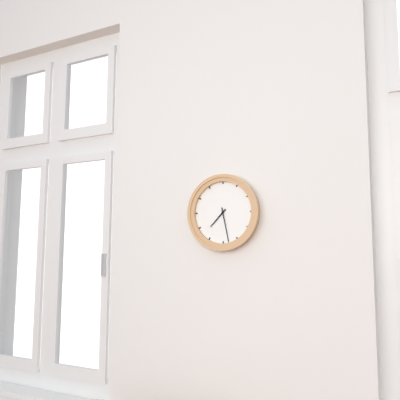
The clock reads 7:28
